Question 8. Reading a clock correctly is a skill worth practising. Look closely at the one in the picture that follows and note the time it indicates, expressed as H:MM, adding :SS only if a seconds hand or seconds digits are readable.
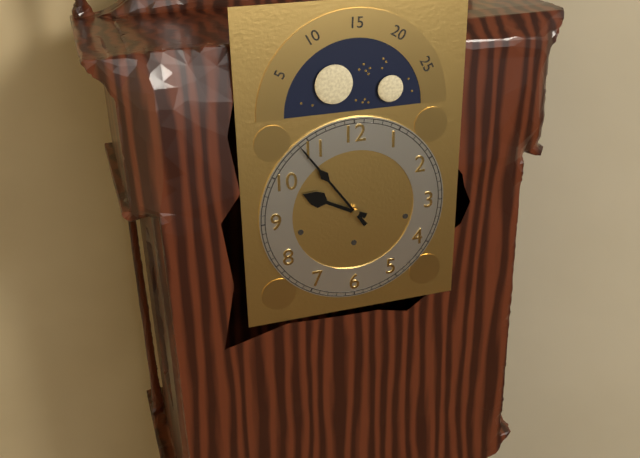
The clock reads 9:54
